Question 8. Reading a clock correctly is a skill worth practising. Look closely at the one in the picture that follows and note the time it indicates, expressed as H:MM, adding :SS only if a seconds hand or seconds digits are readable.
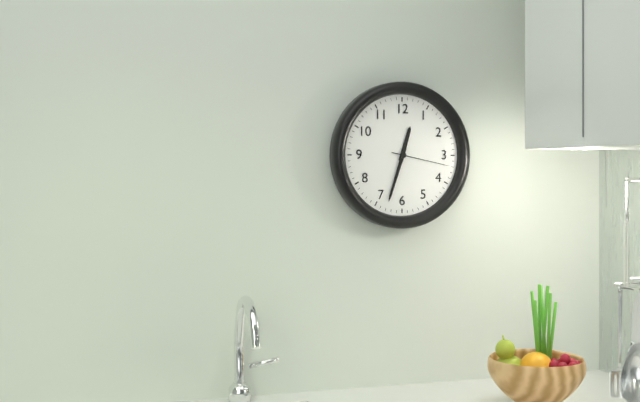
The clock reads 12:33:17
